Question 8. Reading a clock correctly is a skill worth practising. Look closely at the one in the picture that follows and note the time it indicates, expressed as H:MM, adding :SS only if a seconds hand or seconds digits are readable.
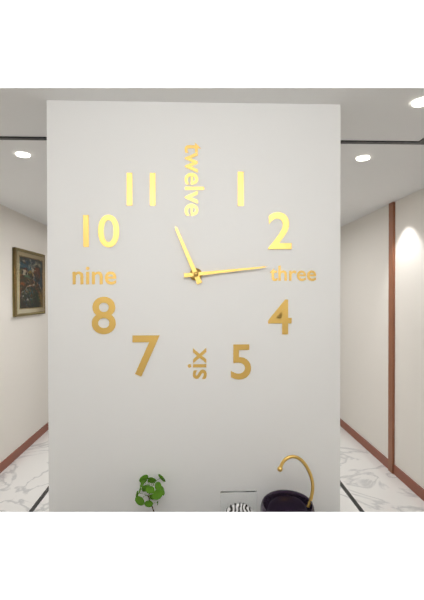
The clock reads 11:14
